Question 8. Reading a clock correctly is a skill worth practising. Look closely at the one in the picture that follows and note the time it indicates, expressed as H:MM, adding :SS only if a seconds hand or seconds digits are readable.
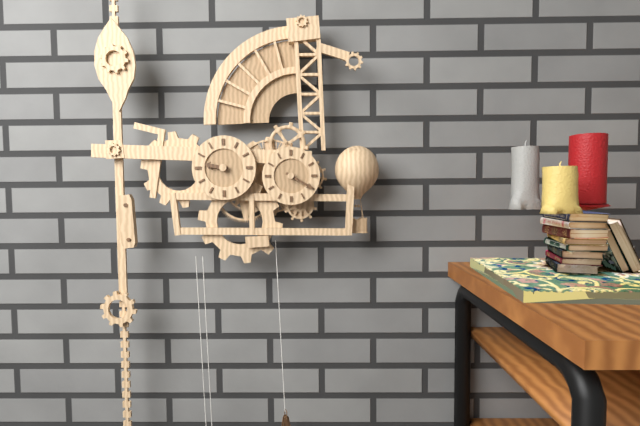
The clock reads 9:20
